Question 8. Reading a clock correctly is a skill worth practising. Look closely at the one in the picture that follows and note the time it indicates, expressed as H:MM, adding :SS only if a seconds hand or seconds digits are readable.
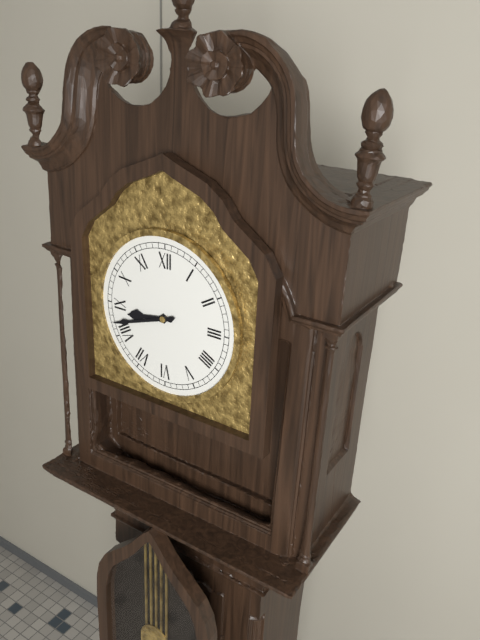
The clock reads 8:42
